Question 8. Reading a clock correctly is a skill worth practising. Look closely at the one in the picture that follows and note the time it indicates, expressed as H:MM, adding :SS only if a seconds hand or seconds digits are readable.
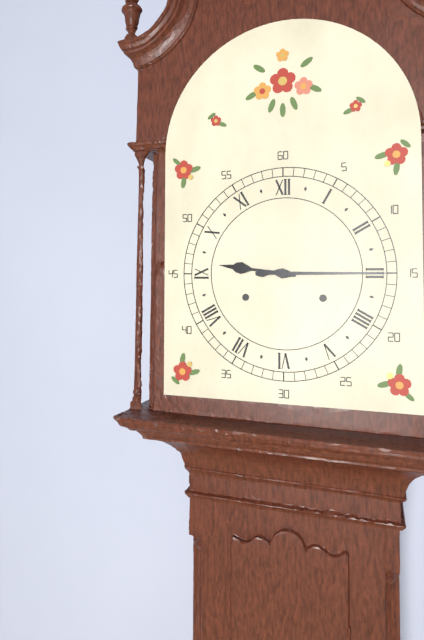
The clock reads 9:15
